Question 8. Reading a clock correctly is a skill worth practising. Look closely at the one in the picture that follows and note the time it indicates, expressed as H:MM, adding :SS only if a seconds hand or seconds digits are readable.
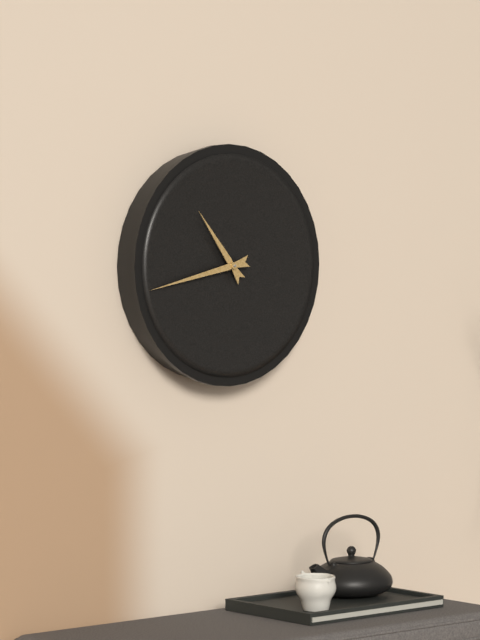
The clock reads 10:43
